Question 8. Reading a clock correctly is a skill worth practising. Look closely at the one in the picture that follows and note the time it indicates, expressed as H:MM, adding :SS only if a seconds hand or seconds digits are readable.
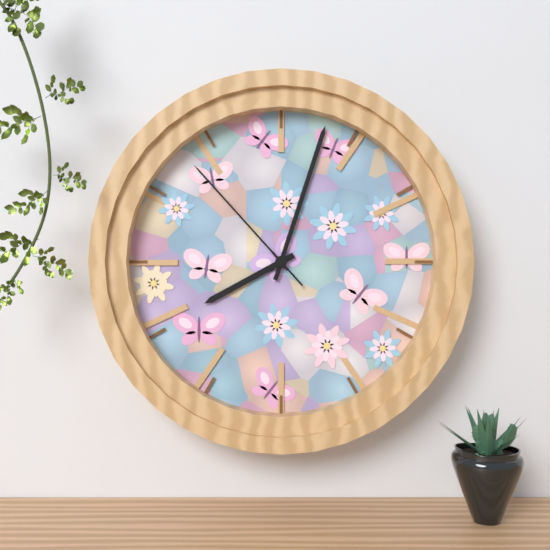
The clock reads 8:03:53
